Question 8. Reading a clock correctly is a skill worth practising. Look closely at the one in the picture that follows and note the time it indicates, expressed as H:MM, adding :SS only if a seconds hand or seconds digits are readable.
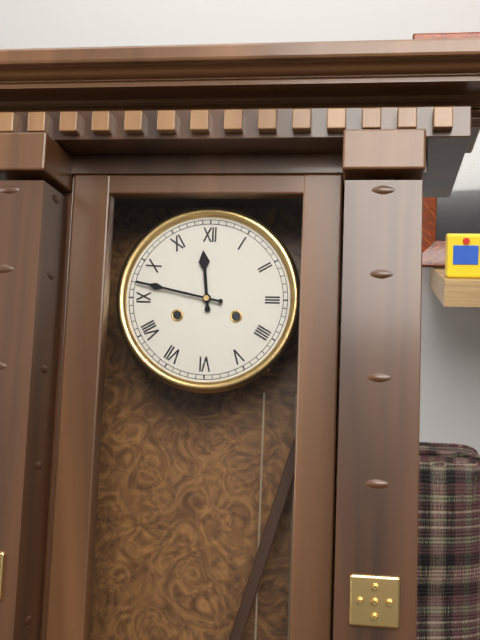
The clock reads 11:47
